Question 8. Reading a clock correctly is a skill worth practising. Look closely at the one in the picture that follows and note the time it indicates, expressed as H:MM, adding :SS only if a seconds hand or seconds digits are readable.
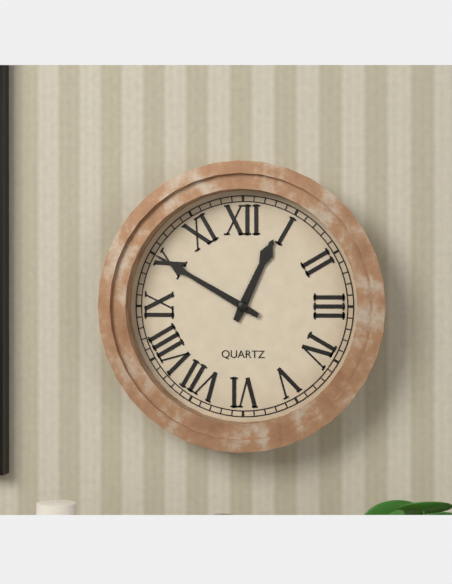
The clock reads 12:50
